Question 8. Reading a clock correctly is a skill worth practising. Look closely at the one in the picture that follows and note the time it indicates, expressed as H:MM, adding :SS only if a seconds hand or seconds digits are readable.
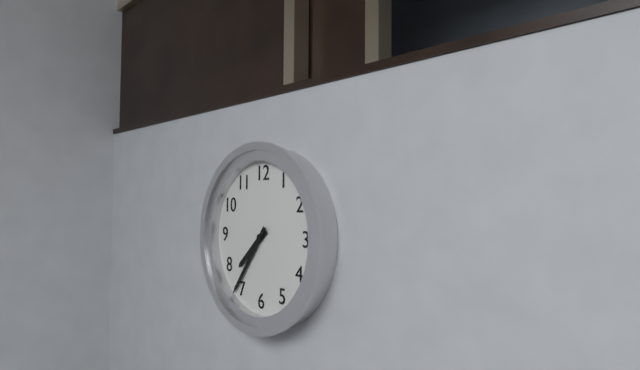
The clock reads 7:36
